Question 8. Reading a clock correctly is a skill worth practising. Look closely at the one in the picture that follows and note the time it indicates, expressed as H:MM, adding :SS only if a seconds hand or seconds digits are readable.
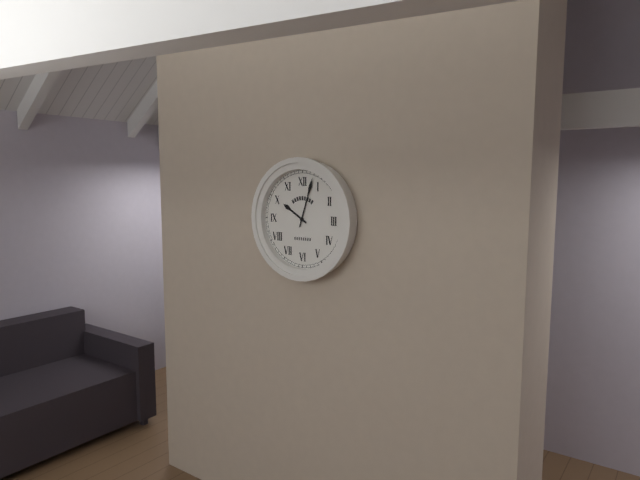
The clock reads 10:03
